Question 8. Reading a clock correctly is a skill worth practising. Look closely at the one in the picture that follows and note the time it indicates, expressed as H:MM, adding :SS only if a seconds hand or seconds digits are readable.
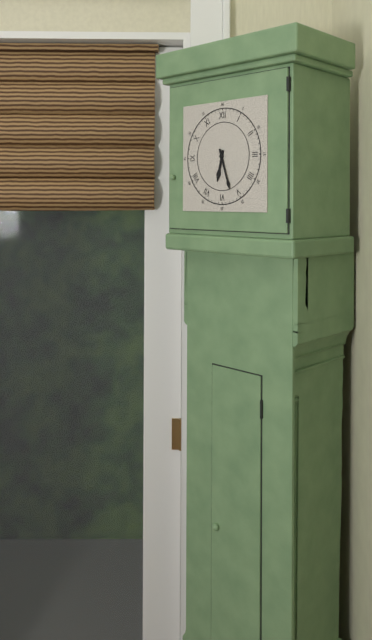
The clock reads 6:27
